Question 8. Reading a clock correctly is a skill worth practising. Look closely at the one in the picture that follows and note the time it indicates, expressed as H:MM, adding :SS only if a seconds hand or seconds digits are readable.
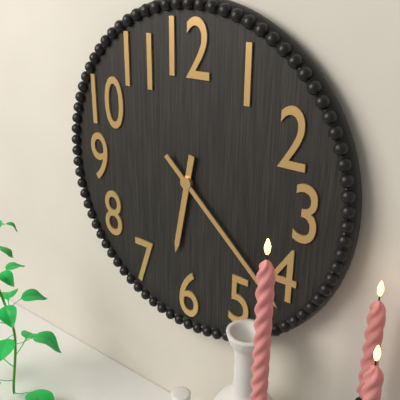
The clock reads 6:22
